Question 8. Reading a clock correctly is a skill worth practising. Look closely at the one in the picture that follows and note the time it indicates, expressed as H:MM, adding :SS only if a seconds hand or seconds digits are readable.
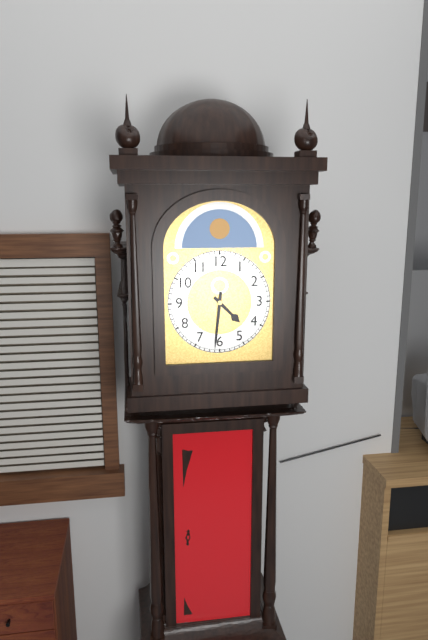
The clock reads 4:31
